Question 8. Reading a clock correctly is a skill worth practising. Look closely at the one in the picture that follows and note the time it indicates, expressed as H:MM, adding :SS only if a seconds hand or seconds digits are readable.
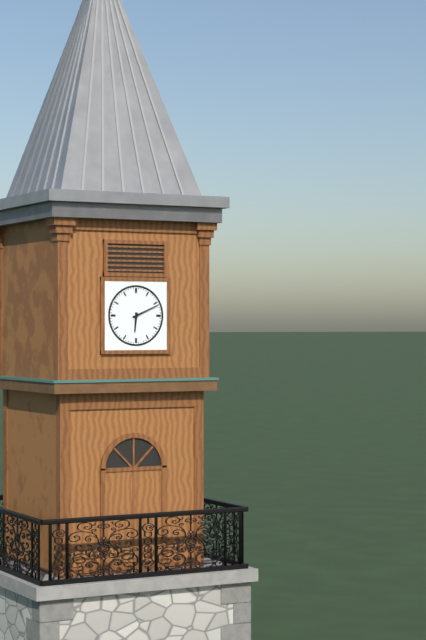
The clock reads 6:11
